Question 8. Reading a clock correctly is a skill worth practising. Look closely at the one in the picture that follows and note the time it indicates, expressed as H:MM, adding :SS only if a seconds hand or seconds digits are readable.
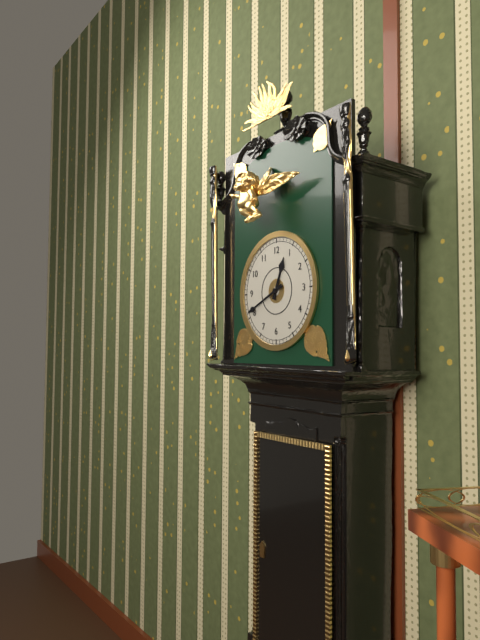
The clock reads 12:41
